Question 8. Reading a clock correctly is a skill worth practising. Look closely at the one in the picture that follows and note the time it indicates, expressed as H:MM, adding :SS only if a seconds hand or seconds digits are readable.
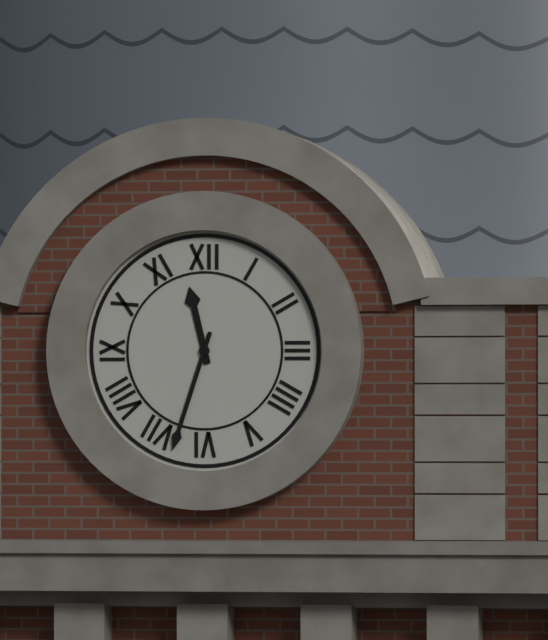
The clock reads 11:33
